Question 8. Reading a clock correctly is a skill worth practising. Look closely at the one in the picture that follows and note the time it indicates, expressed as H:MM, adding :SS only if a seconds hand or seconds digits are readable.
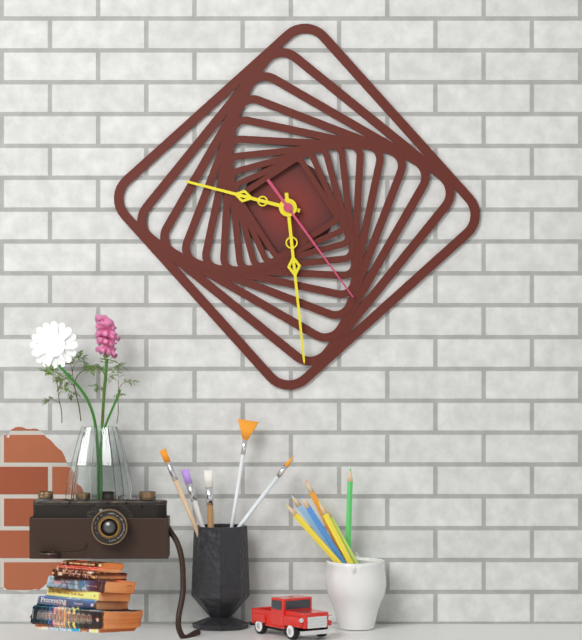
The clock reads 9:29:24
